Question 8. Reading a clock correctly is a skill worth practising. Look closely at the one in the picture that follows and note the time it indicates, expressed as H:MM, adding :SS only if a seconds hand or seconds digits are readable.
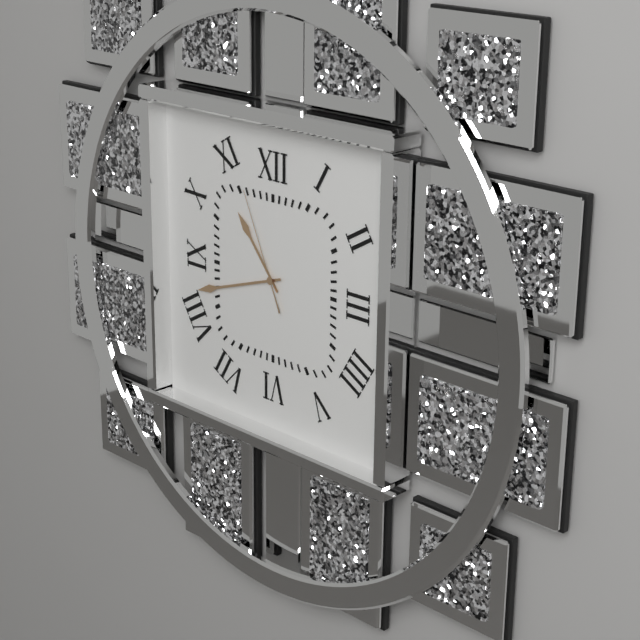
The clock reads 10:42:56
